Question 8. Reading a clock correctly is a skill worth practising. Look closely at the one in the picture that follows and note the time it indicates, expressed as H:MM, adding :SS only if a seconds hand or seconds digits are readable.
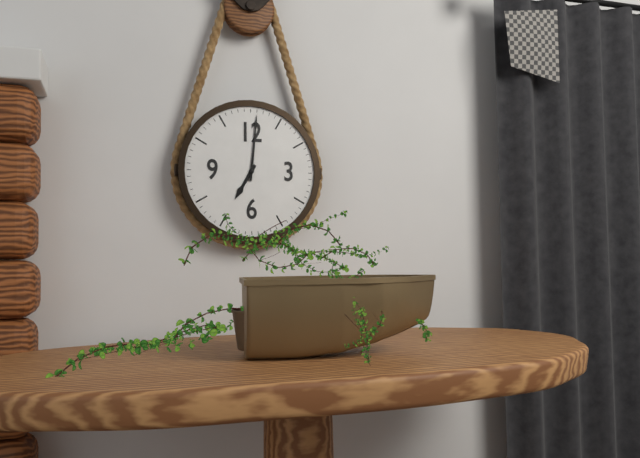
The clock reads 7:01
